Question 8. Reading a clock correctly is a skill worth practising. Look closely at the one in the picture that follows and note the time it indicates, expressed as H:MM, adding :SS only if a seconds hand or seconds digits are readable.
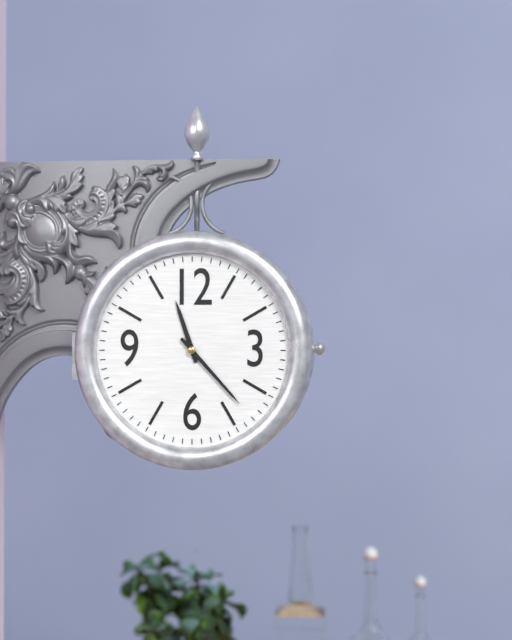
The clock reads 11:23
